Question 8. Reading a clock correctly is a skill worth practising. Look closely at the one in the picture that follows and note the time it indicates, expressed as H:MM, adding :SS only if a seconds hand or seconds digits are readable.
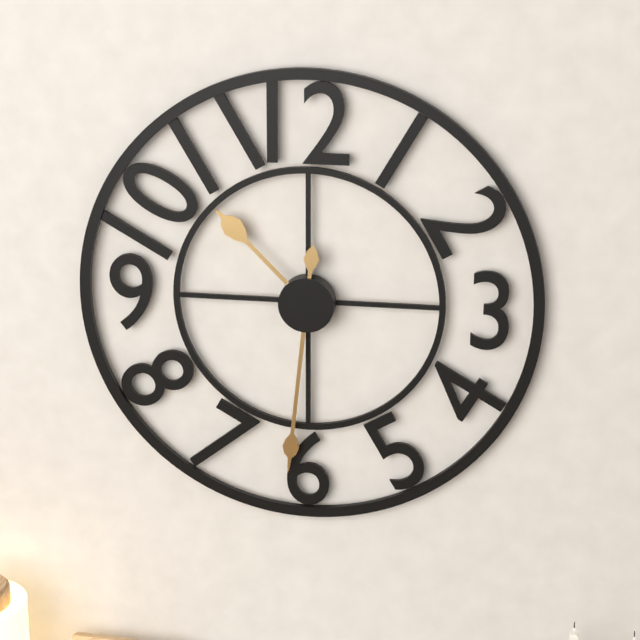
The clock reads 10:31
